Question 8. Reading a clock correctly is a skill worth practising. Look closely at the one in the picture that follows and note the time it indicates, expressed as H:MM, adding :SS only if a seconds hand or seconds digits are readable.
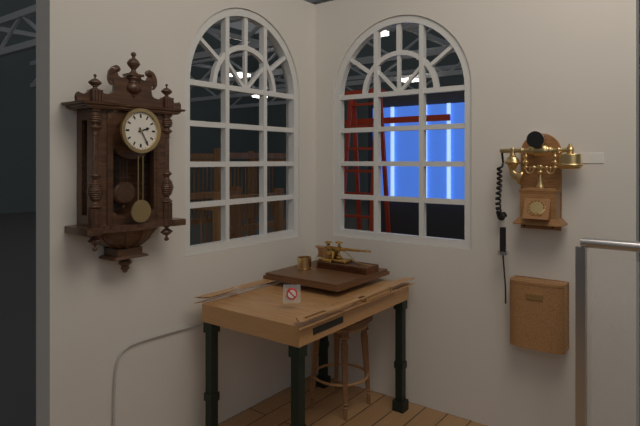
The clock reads 2:25
